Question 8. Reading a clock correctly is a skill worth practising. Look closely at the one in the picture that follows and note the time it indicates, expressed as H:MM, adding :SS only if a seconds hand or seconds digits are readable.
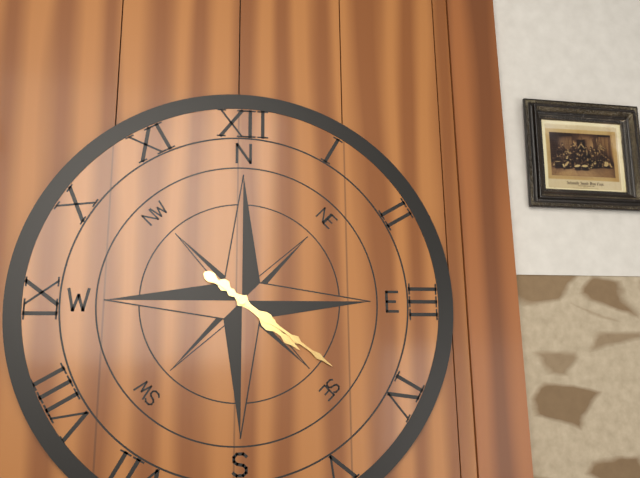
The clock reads 4:21
